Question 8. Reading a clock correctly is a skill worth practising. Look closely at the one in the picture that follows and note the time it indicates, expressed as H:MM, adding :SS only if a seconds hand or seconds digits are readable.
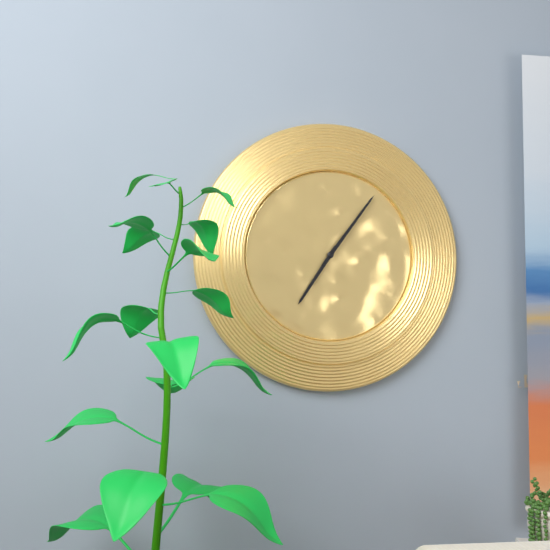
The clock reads 7:06
